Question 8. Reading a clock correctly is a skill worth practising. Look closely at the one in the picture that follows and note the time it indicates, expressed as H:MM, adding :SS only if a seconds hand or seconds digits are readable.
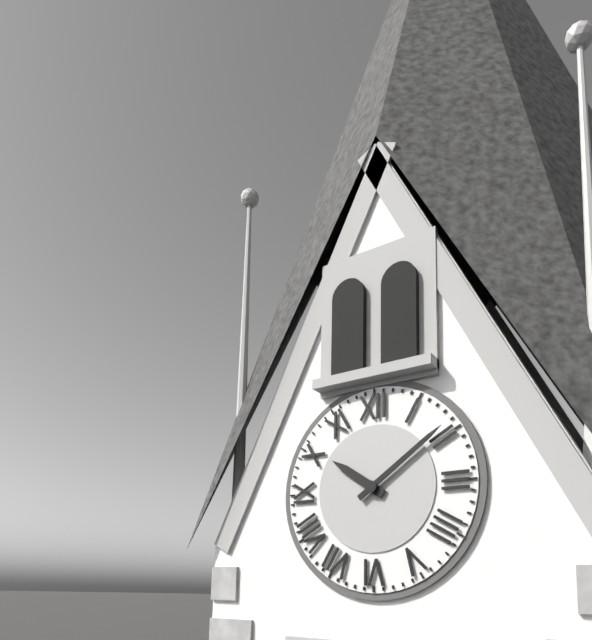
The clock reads 10:09
